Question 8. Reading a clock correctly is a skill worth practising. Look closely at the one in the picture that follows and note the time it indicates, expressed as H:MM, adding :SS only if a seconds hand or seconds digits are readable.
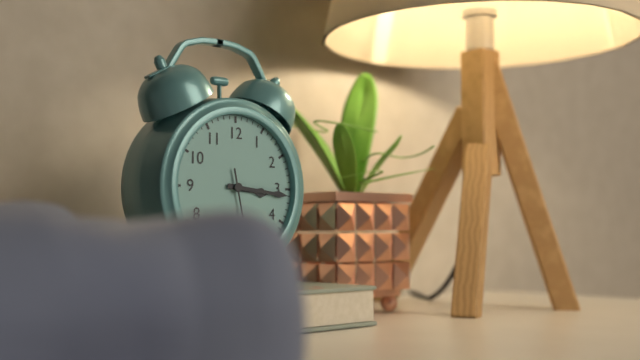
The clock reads 3:16
